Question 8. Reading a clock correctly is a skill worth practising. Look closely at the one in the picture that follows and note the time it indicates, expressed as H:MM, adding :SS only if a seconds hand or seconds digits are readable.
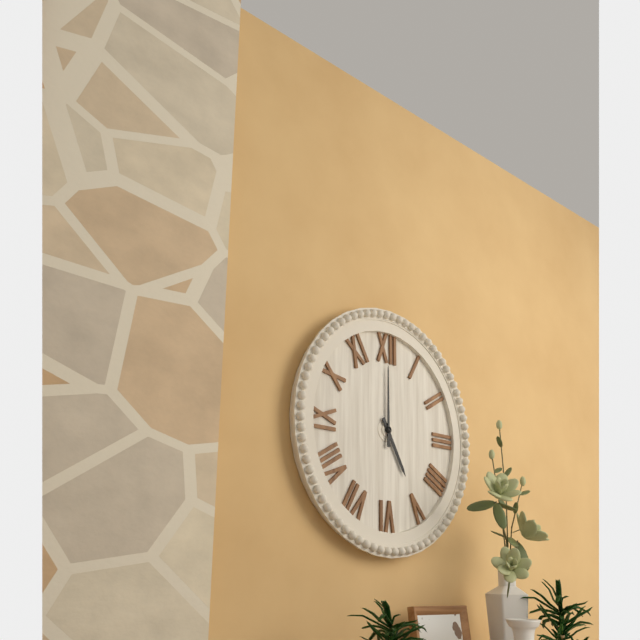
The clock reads 5:00
